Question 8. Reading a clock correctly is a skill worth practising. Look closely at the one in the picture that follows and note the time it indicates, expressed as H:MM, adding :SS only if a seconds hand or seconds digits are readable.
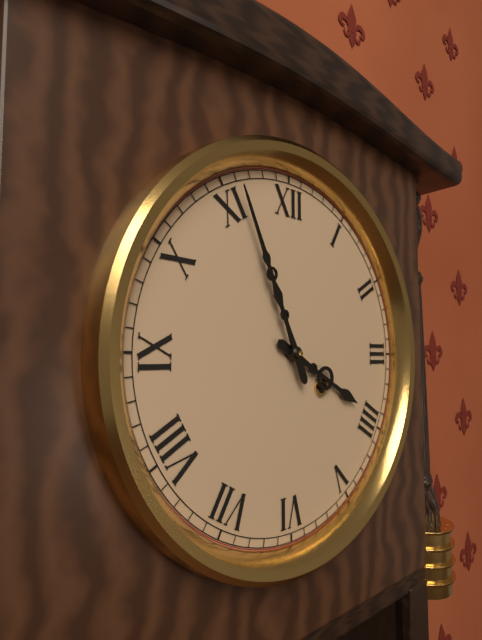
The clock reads 3:56
